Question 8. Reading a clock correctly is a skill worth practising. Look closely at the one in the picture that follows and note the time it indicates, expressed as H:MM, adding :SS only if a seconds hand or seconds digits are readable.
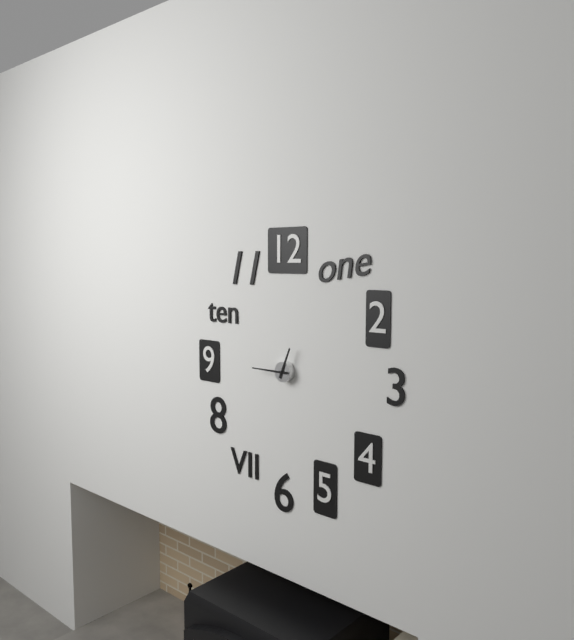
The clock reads 12:45
